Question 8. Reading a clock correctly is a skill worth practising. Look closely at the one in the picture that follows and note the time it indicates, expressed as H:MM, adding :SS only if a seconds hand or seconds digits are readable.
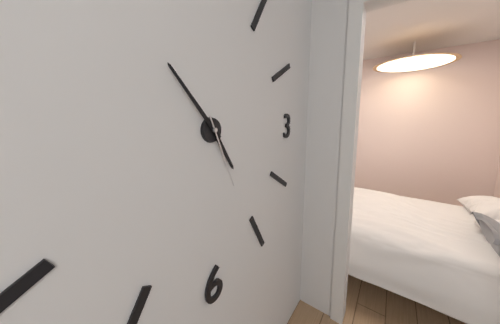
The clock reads 4:53:26
